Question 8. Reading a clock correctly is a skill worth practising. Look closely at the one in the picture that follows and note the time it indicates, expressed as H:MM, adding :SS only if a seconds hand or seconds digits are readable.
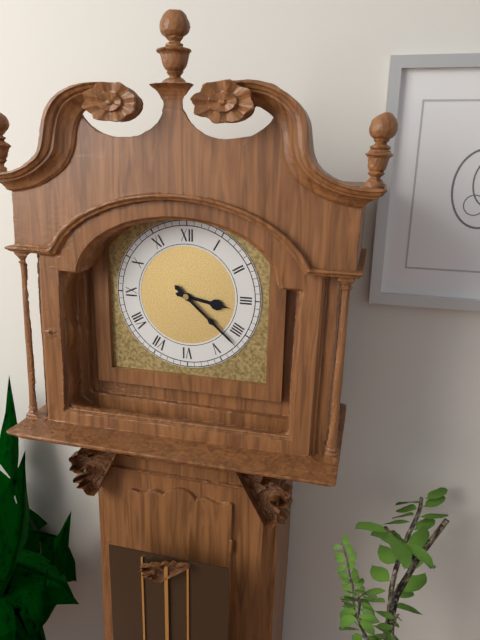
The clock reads 3:22
